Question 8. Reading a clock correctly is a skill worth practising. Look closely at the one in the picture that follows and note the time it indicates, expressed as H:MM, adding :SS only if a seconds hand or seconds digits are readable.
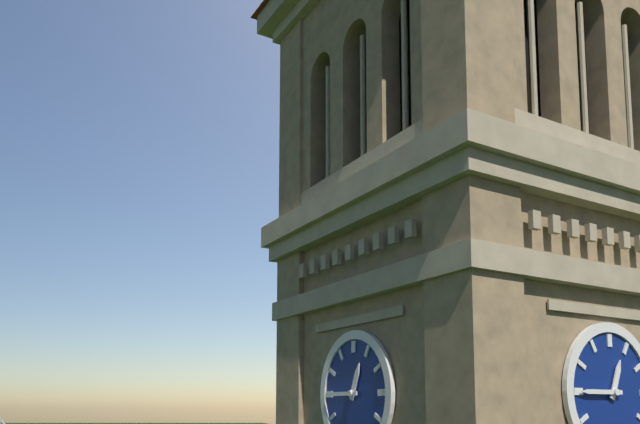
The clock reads 12:45
